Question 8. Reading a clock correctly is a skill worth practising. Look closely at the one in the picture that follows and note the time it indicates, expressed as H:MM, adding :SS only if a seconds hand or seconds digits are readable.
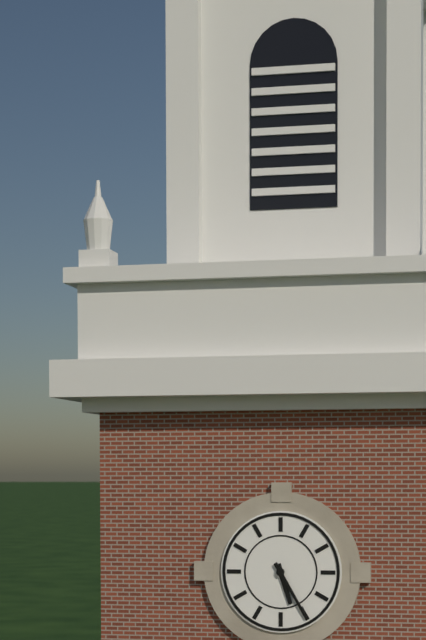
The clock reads 5:25
